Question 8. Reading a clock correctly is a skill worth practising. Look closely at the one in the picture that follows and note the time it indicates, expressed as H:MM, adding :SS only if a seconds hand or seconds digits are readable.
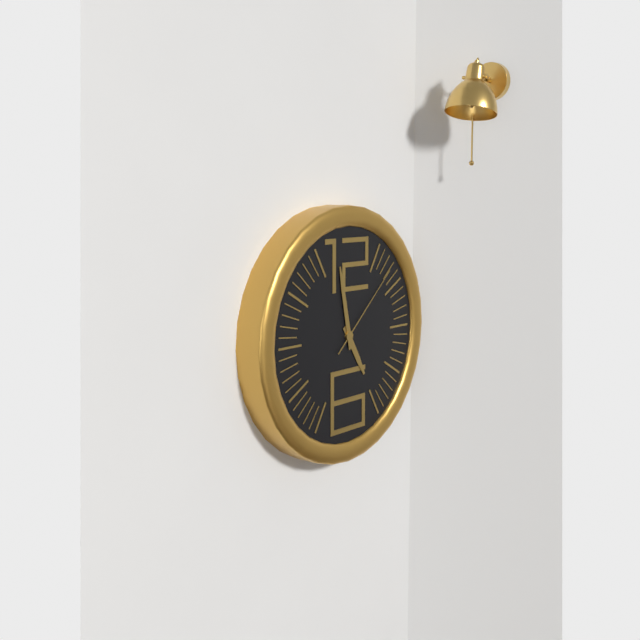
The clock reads 4:58:08
